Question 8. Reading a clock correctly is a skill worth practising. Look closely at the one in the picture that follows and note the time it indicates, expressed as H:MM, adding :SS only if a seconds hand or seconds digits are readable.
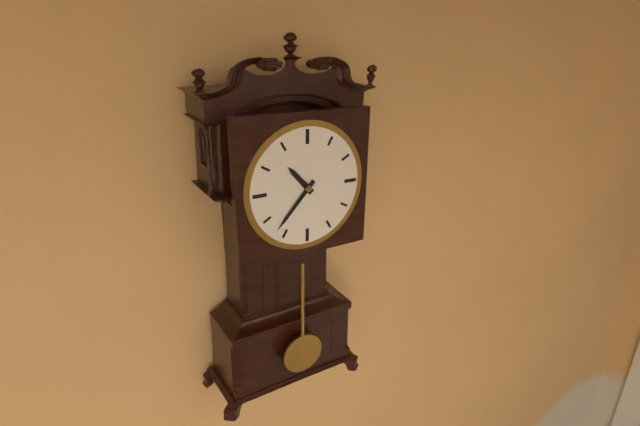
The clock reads 10:37
